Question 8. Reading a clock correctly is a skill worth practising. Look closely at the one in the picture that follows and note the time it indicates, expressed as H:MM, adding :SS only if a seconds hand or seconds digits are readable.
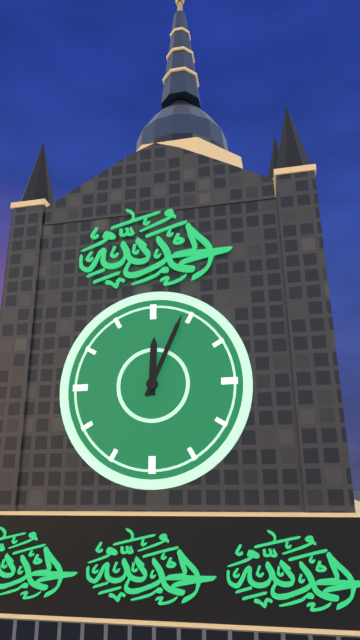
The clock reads 12:04
